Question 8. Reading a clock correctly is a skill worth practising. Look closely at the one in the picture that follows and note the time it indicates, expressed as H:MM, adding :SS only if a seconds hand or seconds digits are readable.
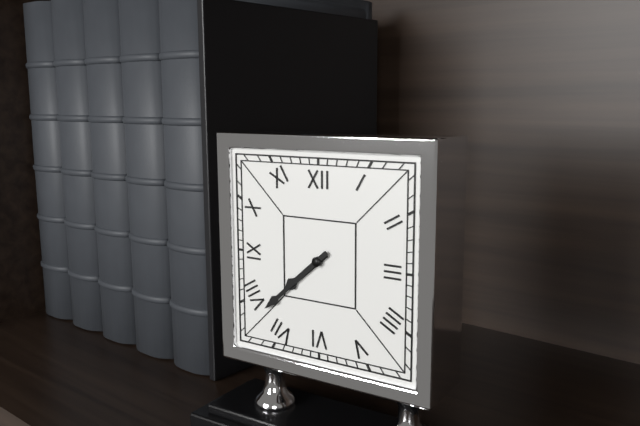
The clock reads 7:38
